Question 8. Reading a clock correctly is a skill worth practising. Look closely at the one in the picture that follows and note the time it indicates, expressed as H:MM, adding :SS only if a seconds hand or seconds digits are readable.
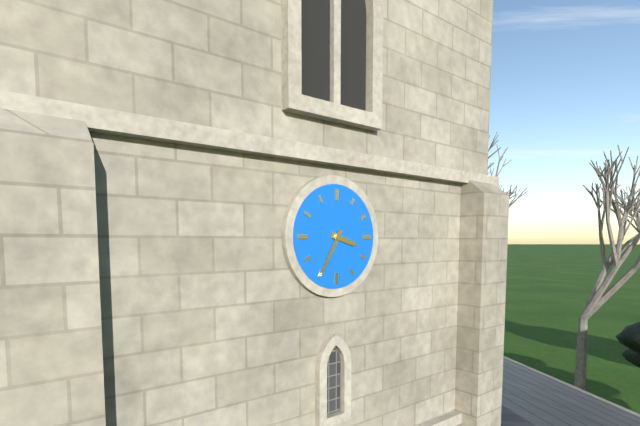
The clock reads 3:35
